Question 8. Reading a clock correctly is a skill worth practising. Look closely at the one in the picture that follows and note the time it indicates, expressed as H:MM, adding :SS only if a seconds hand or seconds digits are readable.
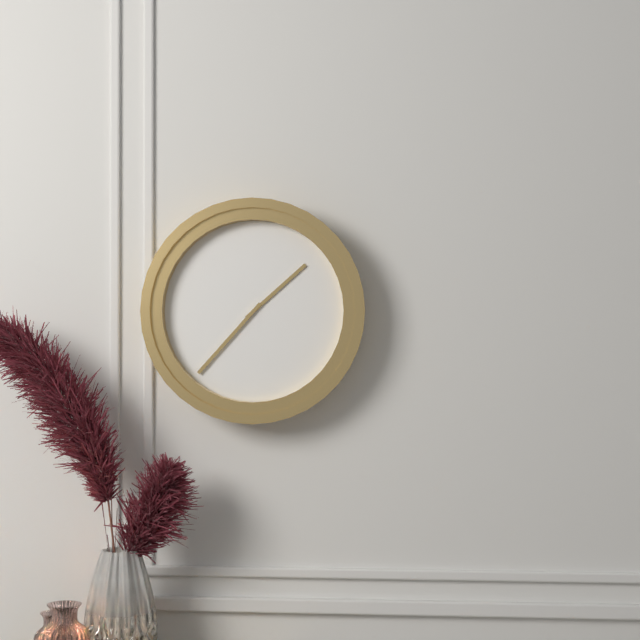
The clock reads 1:37
